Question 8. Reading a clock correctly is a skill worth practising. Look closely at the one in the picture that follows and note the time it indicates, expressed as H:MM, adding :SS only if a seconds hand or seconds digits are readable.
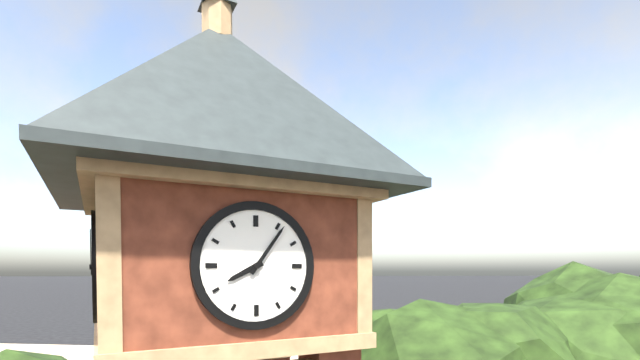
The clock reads 8:06
